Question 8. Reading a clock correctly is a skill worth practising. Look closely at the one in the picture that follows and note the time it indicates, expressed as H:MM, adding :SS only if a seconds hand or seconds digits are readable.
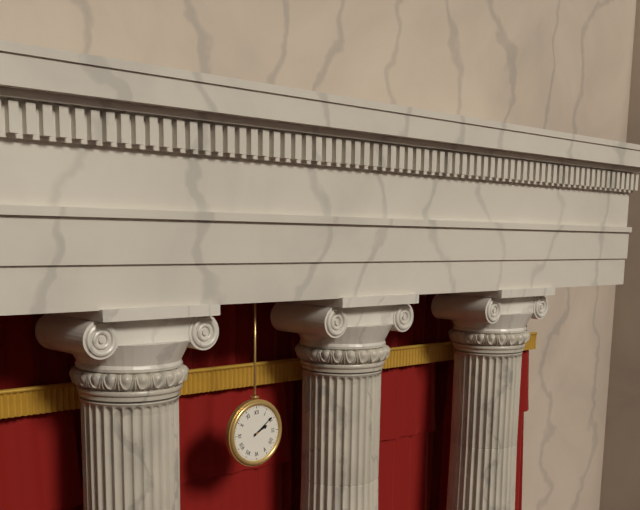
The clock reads 2:09
